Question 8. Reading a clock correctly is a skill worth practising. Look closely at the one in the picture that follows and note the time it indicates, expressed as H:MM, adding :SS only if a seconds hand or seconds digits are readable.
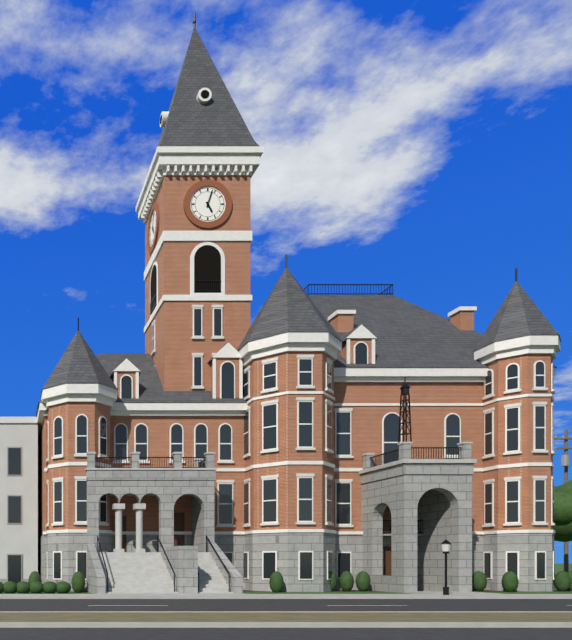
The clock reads 5:03
